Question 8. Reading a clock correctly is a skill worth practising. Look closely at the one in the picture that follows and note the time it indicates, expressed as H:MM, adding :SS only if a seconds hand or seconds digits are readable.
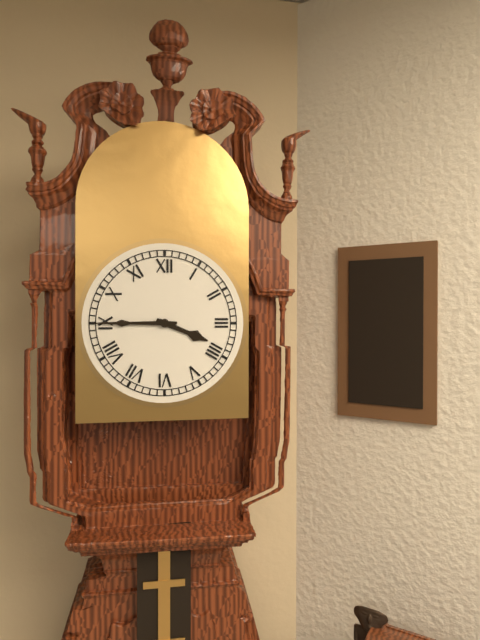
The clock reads 3:45
